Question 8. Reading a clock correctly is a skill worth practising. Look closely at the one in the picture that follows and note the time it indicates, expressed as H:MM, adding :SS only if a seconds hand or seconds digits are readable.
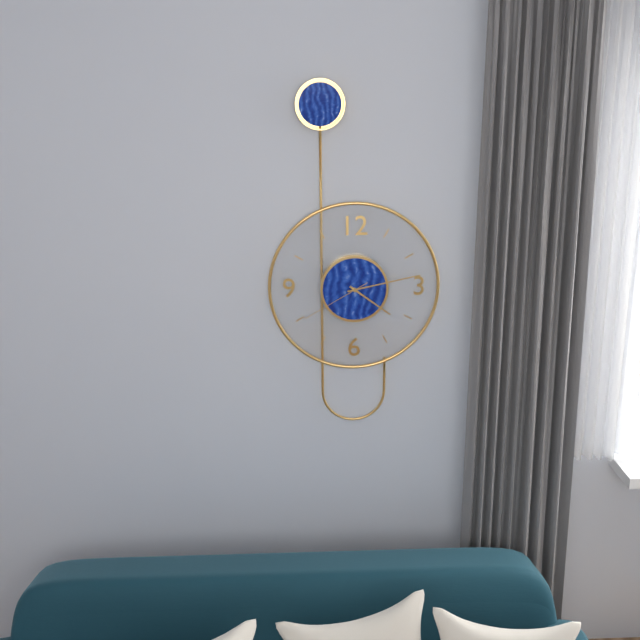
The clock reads 4:13:40
